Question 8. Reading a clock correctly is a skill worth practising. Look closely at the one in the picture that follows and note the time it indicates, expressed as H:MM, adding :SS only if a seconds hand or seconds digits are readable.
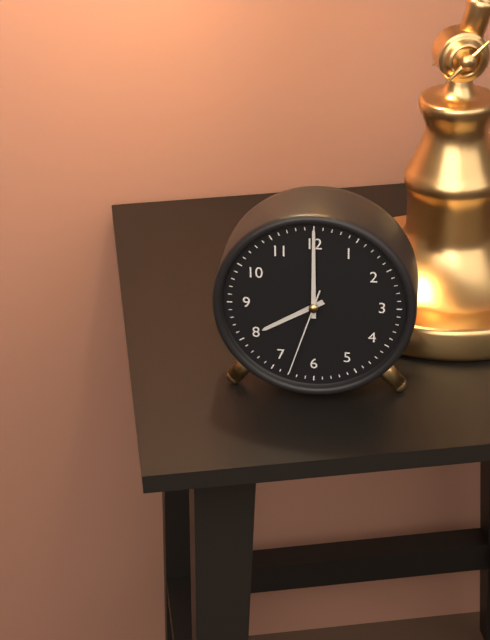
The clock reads 8:00:33
